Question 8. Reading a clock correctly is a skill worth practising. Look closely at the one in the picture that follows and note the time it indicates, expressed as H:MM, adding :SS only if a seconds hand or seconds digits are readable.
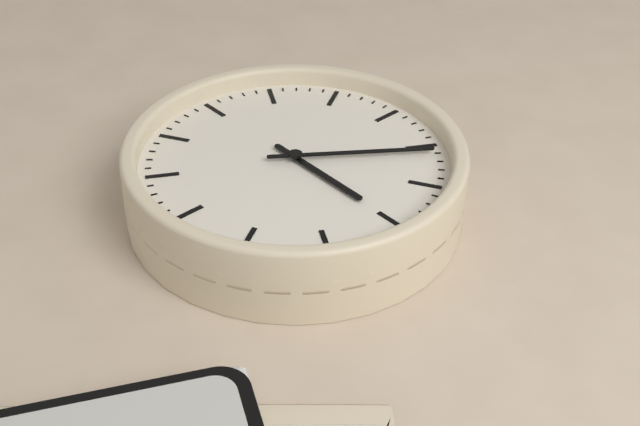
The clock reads 2:01
